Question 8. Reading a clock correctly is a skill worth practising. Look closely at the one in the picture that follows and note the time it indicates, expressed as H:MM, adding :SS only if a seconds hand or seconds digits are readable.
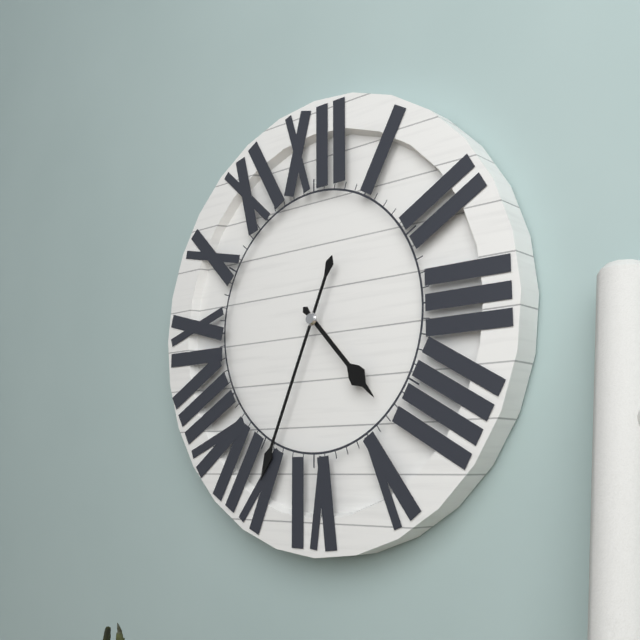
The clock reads 4:34
